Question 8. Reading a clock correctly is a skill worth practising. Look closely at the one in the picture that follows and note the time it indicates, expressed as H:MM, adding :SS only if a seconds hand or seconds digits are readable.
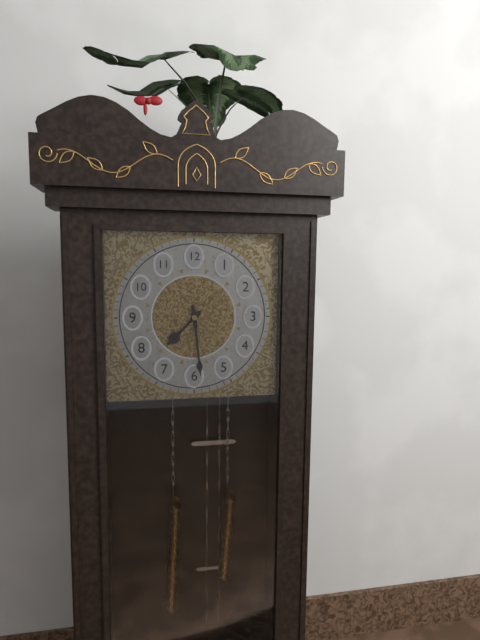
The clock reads 7:29
